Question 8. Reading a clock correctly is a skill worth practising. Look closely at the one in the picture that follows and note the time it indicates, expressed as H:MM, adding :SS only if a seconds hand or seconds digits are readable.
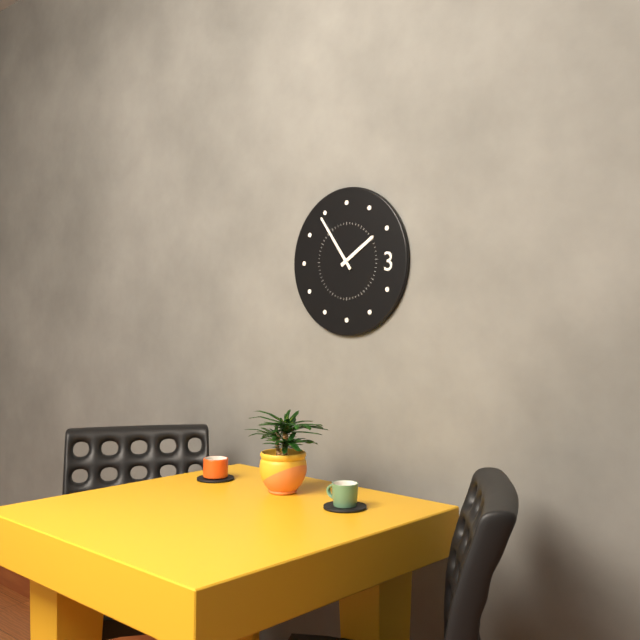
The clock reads 1:54
